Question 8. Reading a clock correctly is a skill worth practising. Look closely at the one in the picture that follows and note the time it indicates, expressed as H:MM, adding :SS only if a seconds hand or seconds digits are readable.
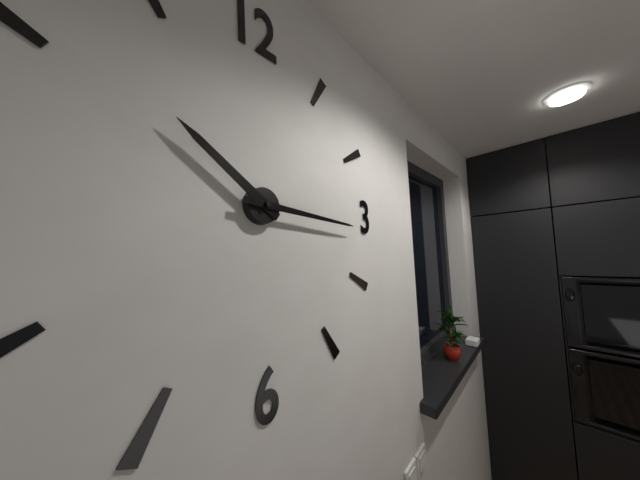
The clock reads 10:16
